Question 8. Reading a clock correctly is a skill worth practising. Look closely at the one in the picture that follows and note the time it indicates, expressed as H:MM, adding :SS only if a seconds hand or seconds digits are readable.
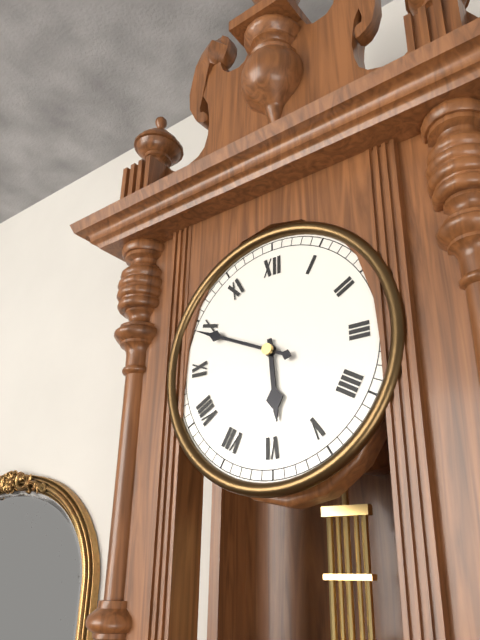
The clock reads 5:49
